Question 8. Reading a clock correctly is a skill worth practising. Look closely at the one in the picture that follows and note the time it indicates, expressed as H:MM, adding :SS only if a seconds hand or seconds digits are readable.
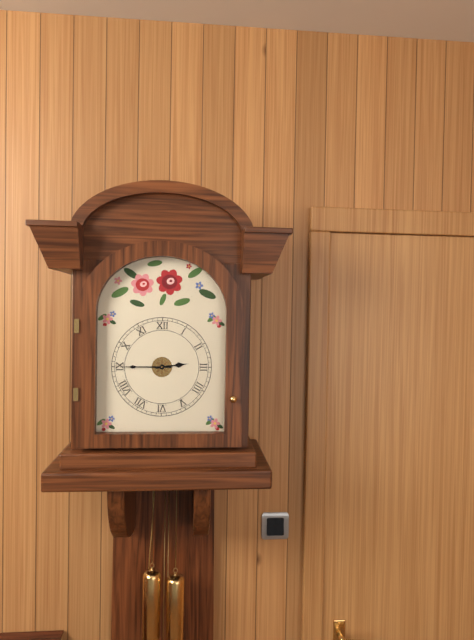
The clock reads 2:45
